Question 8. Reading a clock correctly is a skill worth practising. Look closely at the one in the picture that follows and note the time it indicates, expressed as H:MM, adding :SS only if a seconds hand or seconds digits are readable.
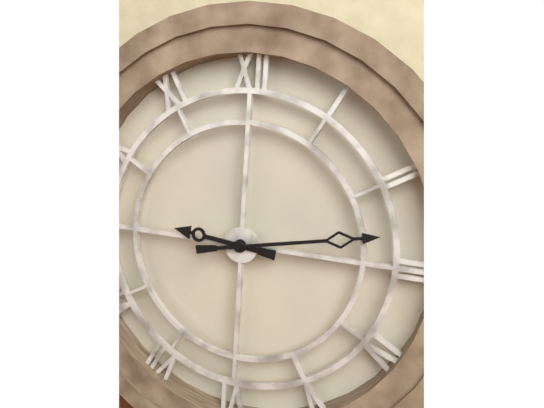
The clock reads 9:13
